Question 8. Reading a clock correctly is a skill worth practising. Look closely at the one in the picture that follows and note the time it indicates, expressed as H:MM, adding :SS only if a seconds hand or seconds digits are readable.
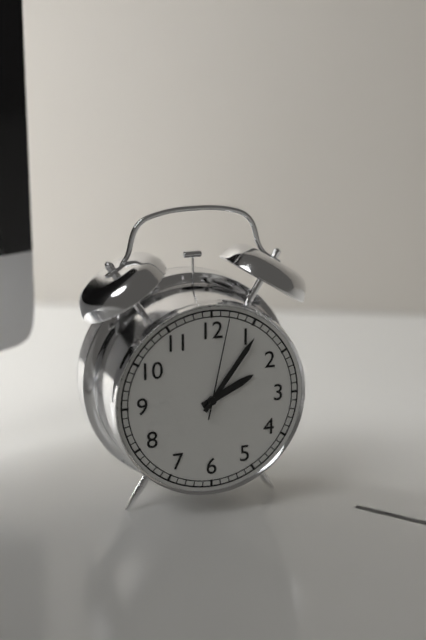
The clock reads 2:06:02
